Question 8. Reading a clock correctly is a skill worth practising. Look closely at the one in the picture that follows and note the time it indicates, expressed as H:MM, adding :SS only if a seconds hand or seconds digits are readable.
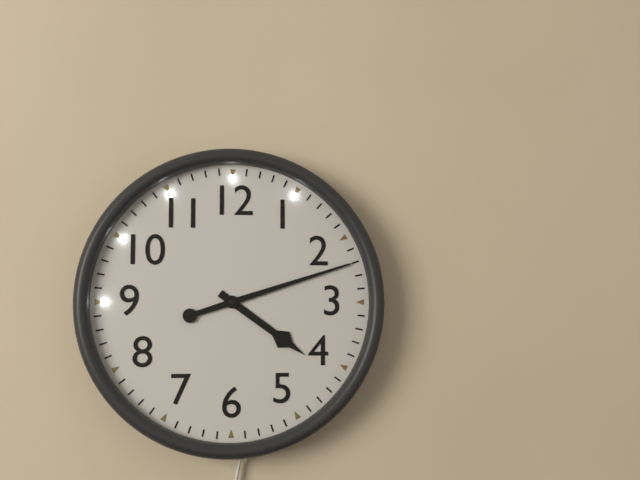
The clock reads 4:12
